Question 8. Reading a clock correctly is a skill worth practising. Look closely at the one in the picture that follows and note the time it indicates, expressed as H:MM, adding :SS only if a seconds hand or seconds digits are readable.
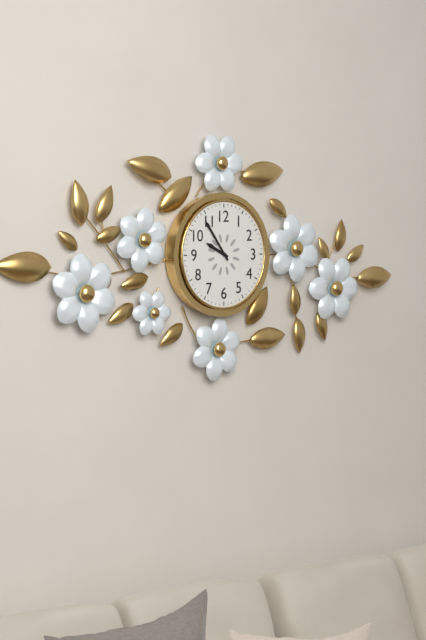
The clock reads 9:54
